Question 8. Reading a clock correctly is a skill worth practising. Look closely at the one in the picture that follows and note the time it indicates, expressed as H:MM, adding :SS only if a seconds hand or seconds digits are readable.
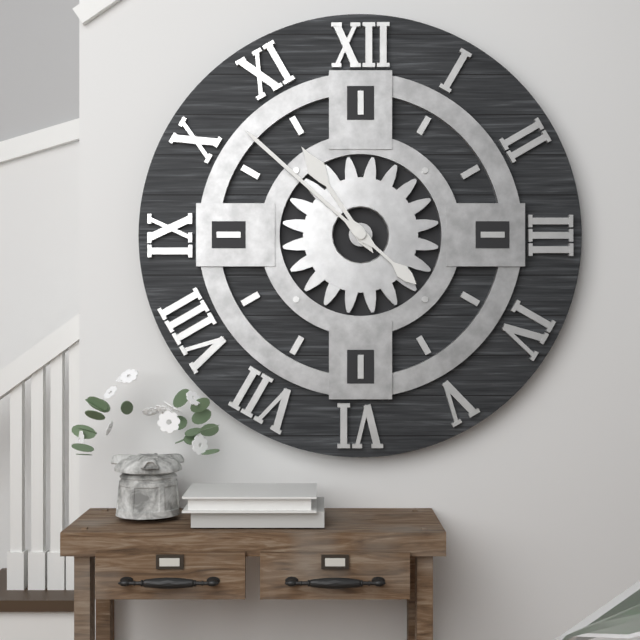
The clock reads 10:52
